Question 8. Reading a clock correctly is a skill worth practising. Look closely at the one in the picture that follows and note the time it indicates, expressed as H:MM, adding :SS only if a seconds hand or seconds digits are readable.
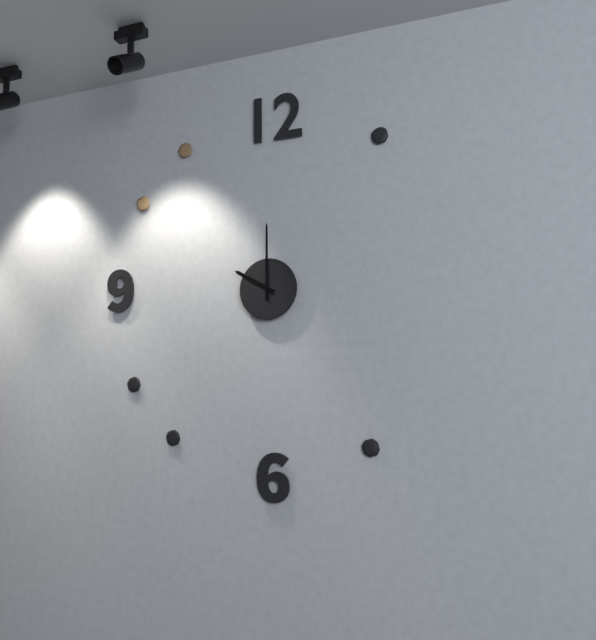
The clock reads 10:00
